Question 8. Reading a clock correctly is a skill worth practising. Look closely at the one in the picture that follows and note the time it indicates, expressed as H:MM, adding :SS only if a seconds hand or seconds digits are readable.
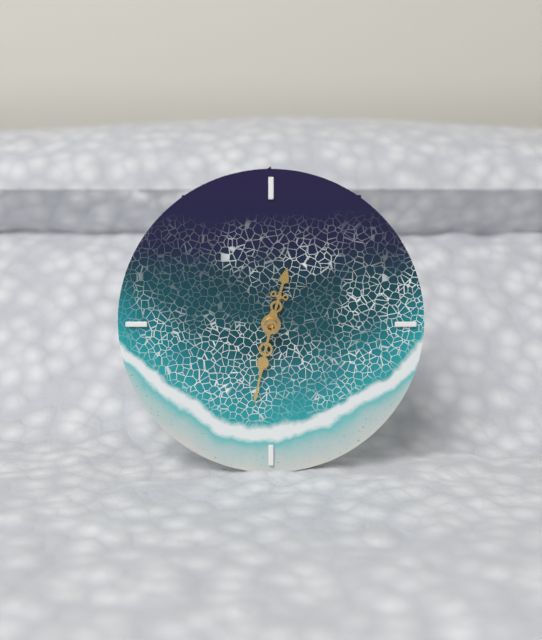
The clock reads 12:32
